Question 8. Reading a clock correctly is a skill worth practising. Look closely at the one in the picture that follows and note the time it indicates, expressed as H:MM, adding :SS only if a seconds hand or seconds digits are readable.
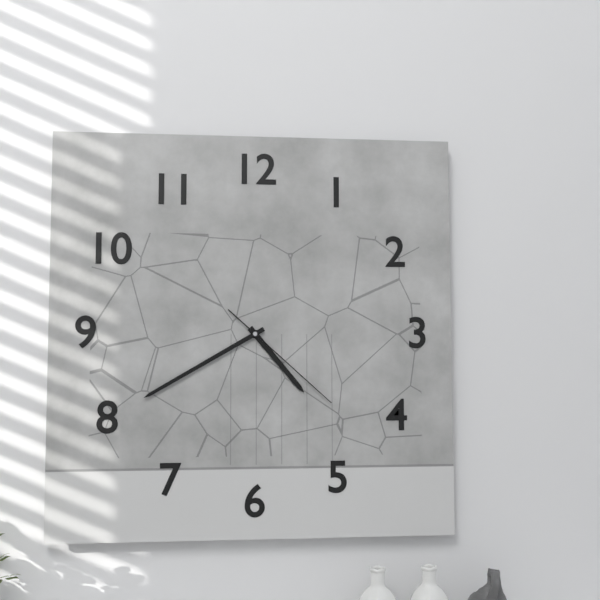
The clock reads 4:40:22
